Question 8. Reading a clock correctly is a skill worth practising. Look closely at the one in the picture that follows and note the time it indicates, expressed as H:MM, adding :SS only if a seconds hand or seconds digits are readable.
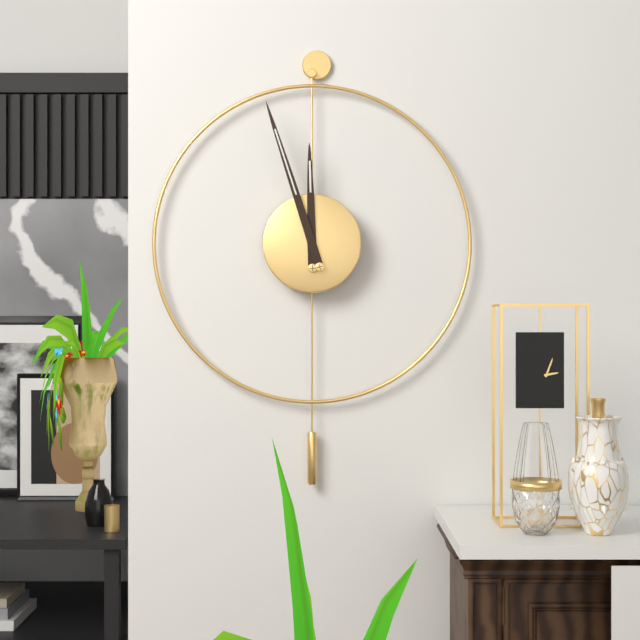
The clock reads 11:57
